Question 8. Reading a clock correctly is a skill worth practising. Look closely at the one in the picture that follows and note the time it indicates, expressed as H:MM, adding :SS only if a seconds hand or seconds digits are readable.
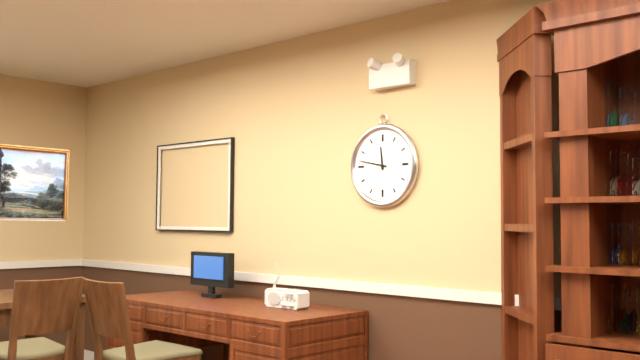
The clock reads 11:47
